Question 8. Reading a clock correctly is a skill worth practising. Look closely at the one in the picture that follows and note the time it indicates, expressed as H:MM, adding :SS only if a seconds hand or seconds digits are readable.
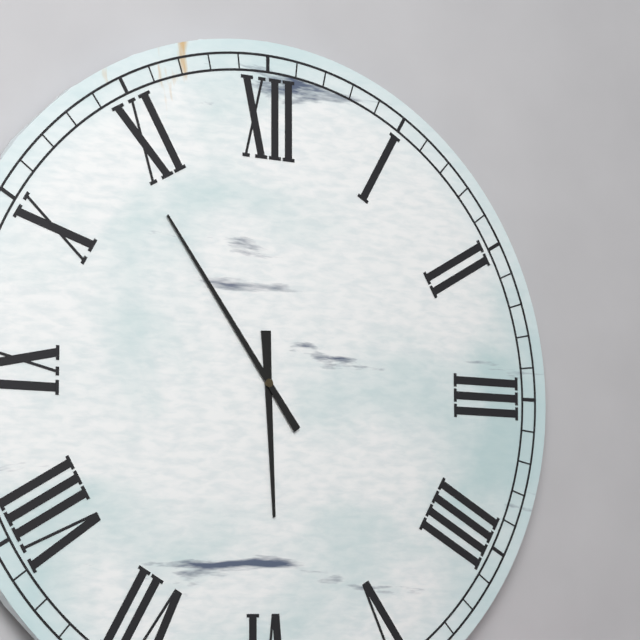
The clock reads 5:54
